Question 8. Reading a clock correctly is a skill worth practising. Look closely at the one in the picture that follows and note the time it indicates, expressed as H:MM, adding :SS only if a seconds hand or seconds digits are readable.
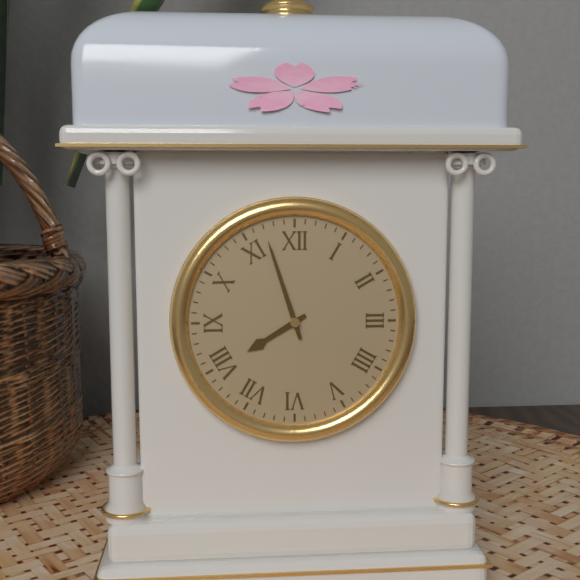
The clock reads 7:57
